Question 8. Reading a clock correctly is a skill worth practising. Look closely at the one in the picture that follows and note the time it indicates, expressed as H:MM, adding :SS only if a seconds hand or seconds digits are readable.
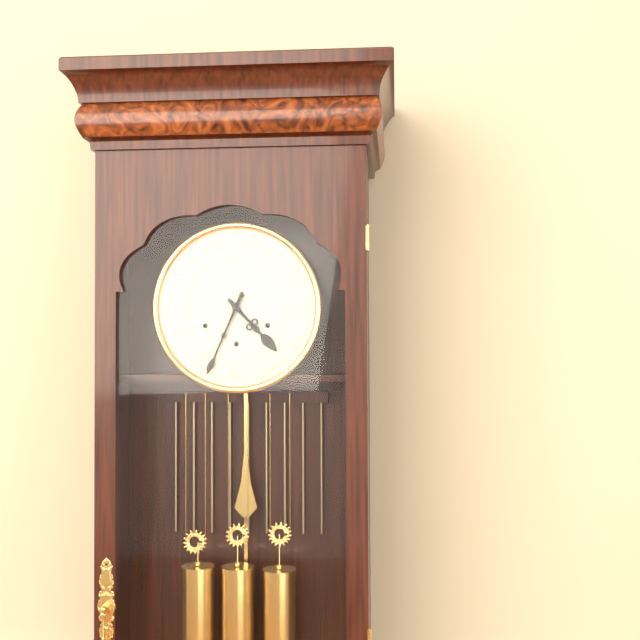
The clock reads 4:34
